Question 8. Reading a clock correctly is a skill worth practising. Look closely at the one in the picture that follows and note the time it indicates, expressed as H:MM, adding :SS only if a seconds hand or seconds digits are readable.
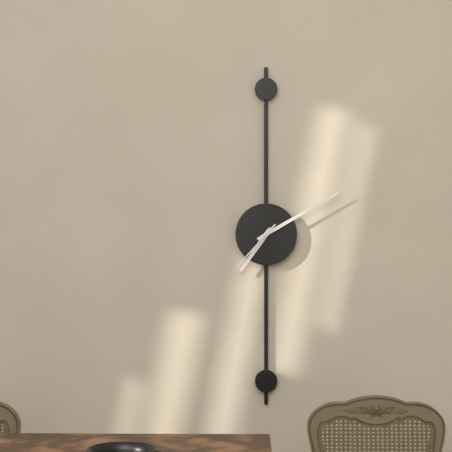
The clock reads 7:10:37
